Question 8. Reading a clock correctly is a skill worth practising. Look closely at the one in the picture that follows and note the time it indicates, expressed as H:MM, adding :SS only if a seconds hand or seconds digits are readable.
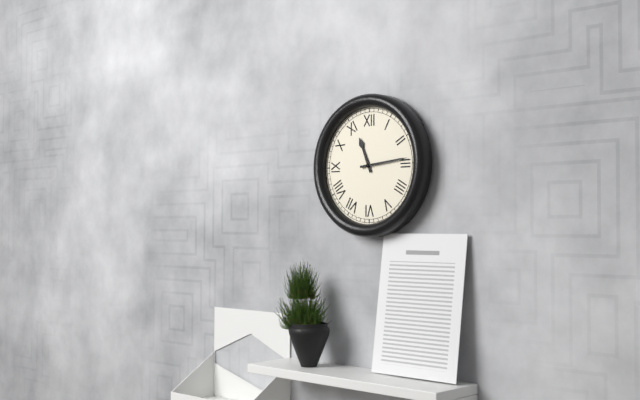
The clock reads 11:14
